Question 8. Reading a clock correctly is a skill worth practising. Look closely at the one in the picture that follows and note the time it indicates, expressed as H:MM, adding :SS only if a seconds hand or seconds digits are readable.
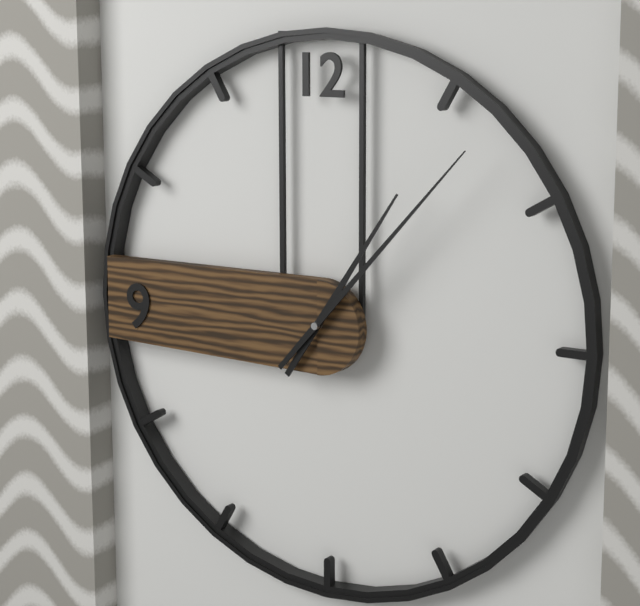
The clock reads 1:07
